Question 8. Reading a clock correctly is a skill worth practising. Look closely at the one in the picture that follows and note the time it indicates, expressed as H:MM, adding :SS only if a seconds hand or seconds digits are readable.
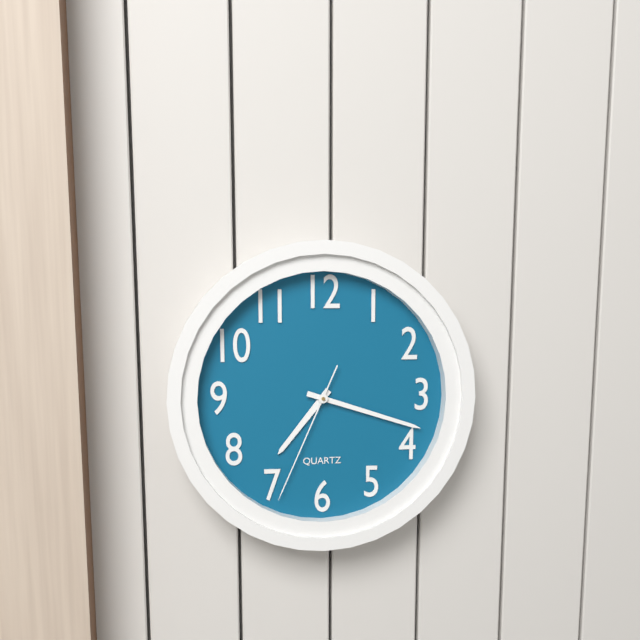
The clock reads 7:18:34
